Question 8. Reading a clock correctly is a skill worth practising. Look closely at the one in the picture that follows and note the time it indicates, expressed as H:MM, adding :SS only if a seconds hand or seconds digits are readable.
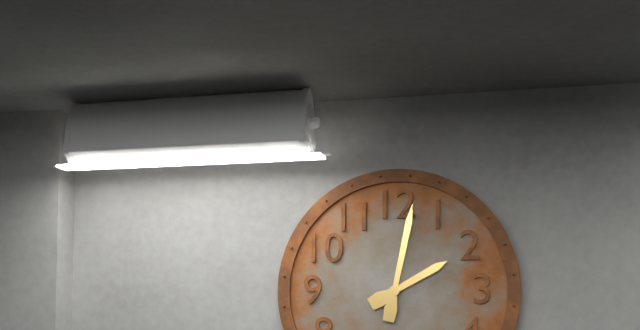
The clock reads 2:02
